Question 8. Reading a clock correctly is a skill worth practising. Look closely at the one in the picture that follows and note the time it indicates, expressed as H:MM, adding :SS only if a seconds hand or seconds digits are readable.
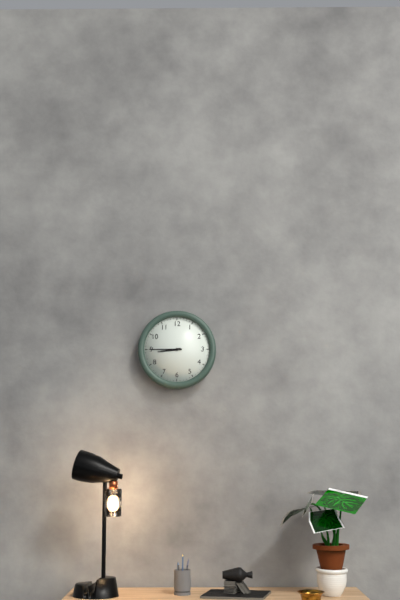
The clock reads 8:45
